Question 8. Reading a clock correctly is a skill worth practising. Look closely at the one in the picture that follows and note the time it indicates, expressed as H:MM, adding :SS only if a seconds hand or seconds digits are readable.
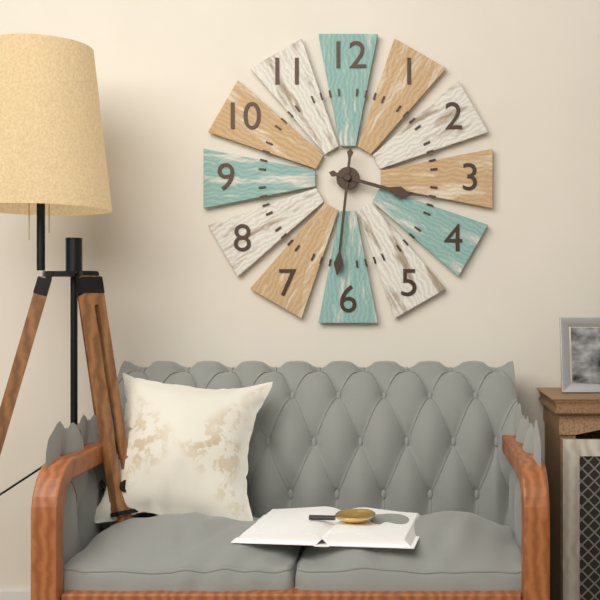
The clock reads 3:31
